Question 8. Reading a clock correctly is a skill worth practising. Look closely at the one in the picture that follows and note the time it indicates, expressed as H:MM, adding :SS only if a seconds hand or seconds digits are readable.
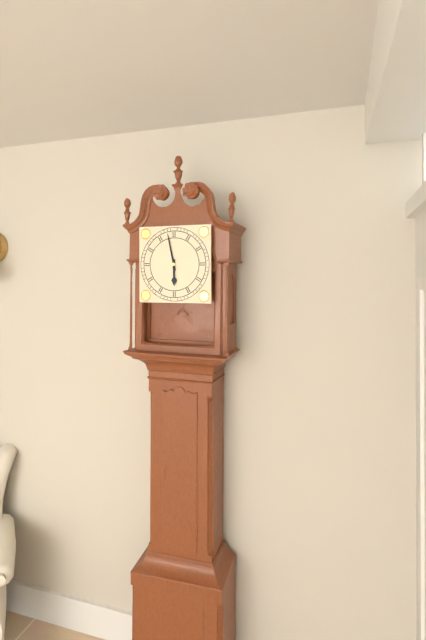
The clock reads 5:58
